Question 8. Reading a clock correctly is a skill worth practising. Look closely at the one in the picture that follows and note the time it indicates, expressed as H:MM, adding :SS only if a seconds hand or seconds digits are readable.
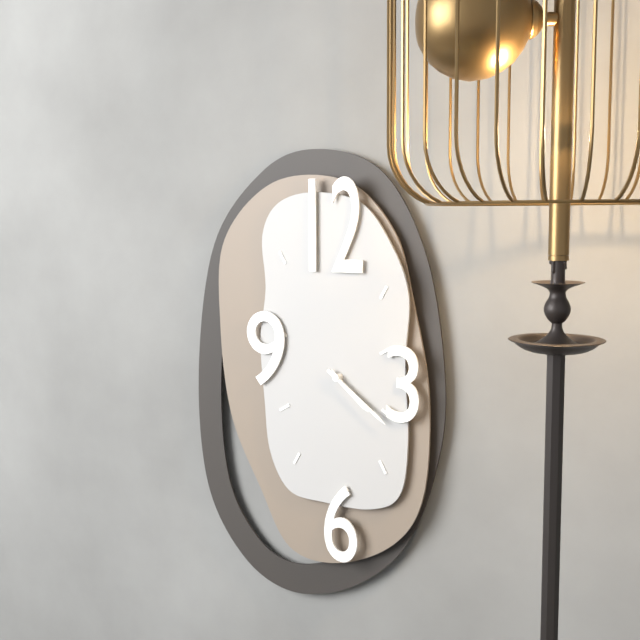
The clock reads 4:21
